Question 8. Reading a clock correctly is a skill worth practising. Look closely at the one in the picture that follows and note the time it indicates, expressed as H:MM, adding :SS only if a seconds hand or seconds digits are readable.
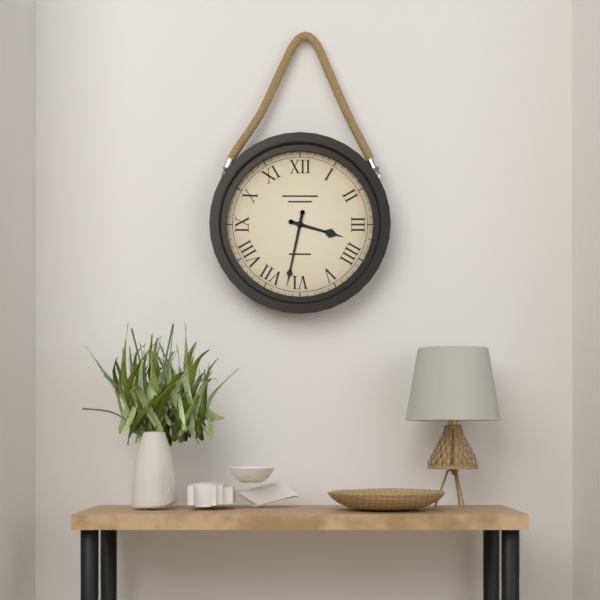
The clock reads 3:32
